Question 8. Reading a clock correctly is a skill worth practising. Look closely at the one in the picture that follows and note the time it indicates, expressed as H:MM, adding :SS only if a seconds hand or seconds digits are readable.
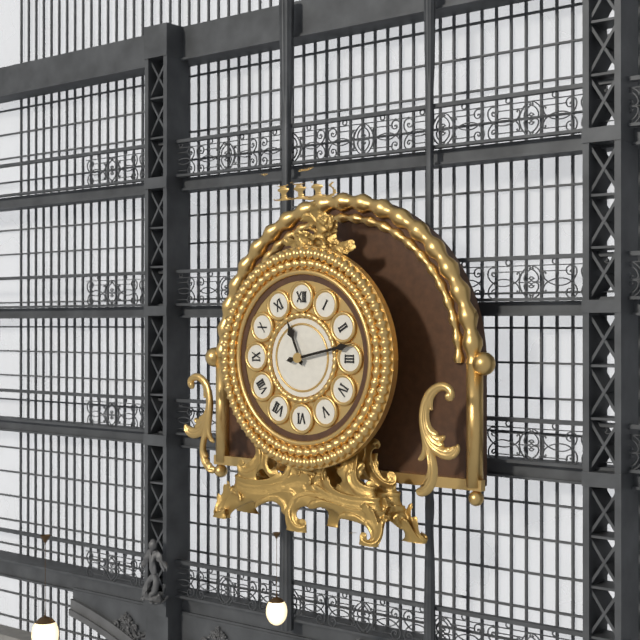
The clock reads 11:13
